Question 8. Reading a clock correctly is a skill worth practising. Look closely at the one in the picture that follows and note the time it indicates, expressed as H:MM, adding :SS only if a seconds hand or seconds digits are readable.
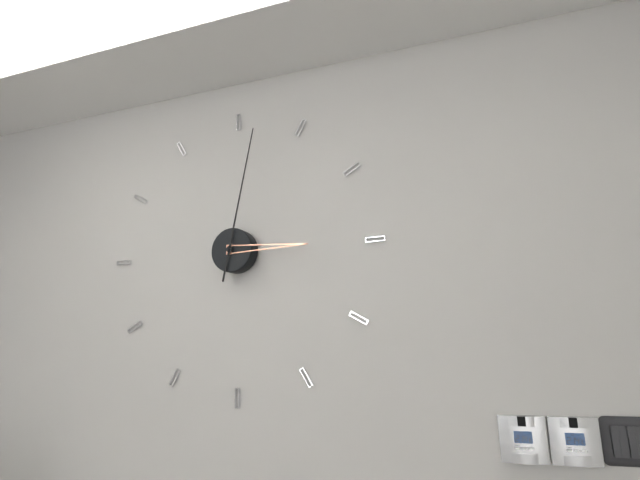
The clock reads 3:02
